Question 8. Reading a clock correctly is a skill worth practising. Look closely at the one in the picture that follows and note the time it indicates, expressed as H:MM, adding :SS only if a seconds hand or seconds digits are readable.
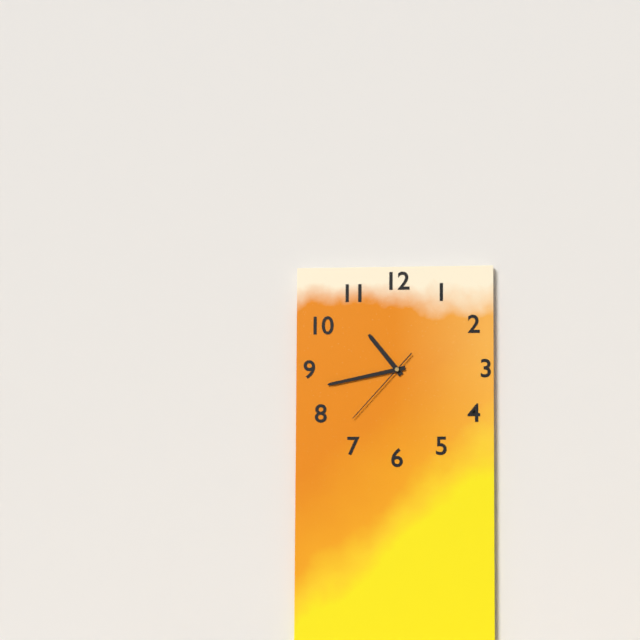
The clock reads 10:43:37
